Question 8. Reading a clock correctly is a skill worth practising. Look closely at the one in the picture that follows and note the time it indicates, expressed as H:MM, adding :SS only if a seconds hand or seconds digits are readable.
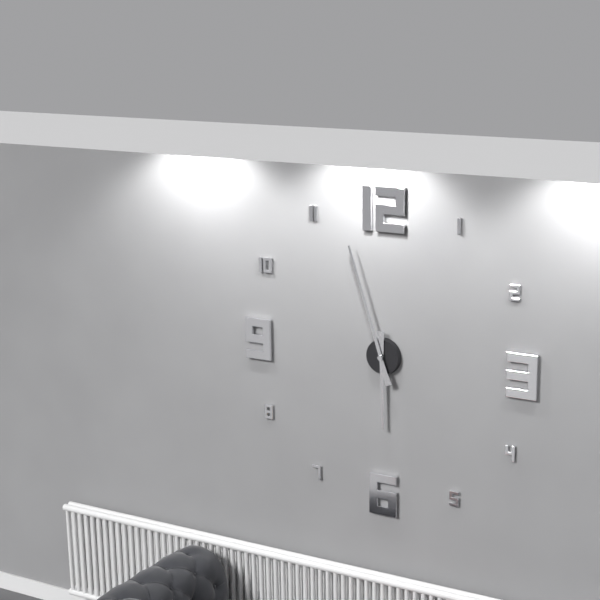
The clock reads 5:57
